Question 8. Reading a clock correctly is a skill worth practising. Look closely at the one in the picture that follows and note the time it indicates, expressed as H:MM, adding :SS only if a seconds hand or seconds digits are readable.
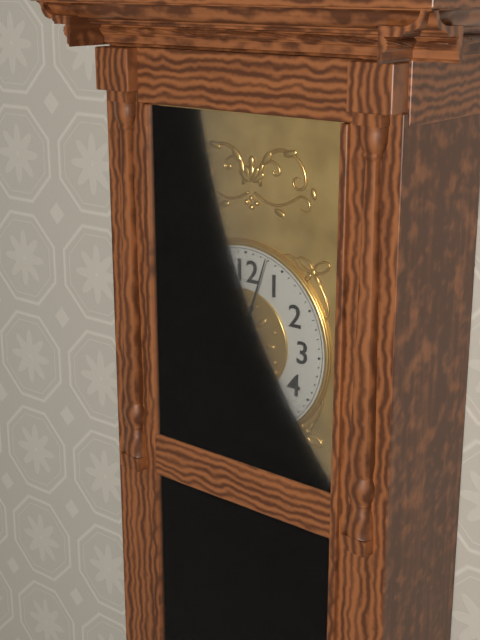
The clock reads 8:03
